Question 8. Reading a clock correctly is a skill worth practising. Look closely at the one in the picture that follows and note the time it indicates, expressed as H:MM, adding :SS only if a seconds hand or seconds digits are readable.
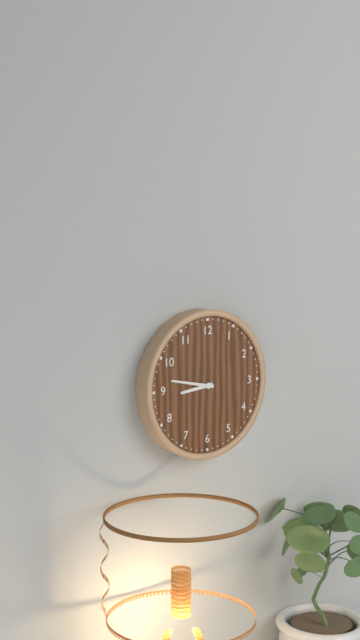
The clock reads 8:47
